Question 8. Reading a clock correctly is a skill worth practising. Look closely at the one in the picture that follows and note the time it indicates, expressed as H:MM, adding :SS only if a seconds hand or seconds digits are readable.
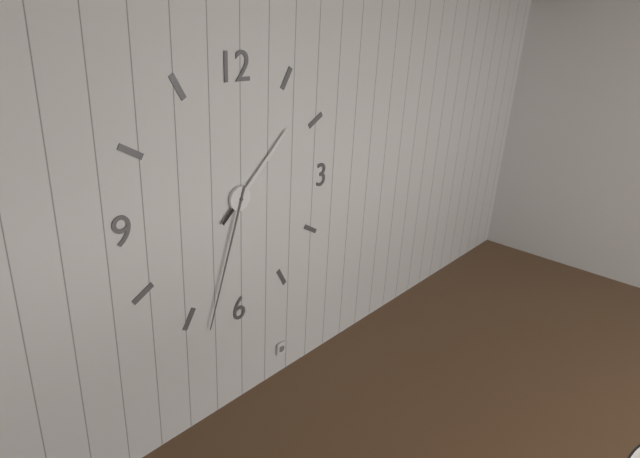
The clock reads 1:33
